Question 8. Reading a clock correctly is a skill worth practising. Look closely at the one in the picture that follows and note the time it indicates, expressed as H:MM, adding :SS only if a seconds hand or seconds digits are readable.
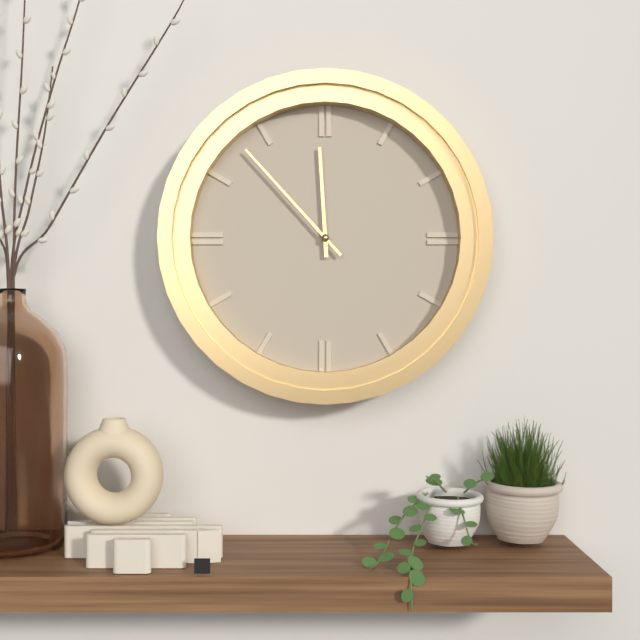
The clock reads 11:53
